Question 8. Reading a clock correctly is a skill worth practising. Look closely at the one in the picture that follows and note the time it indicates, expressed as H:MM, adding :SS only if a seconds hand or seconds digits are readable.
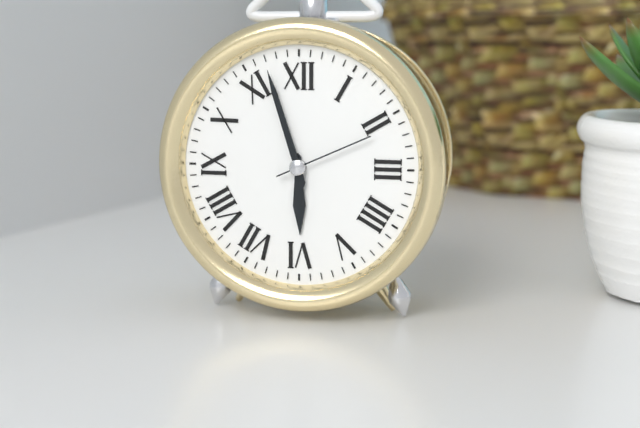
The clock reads 5:57:11
